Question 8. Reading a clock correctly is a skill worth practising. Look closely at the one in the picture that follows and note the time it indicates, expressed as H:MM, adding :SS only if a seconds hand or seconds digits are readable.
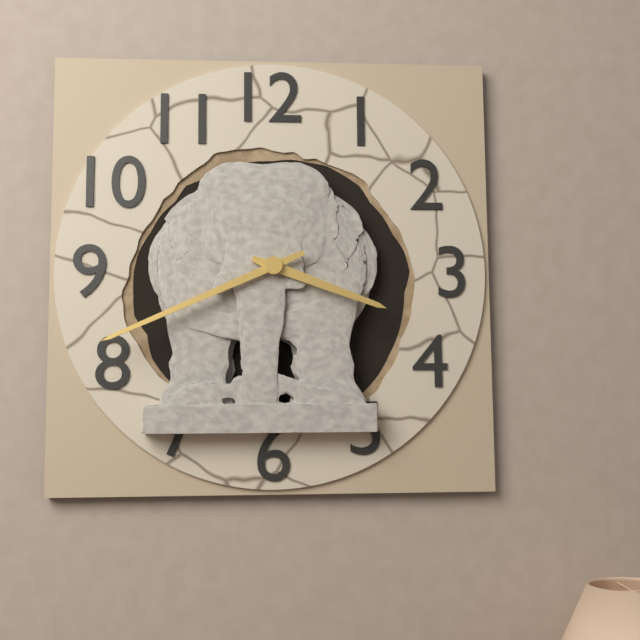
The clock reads 3:41
